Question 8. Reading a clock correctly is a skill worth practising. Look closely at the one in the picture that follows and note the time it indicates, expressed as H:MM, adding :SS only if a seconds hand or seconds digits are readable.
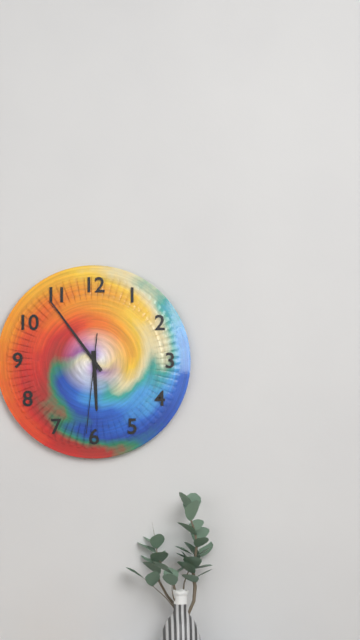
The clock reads 5:54:31
